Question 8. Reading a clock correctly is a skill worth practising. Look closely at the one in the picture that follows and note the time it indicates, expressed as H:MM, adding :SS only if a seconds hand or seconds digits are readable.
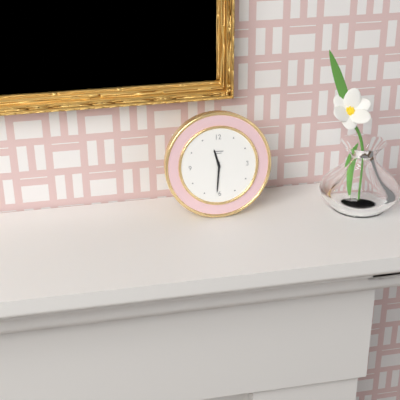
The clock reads 11:31
